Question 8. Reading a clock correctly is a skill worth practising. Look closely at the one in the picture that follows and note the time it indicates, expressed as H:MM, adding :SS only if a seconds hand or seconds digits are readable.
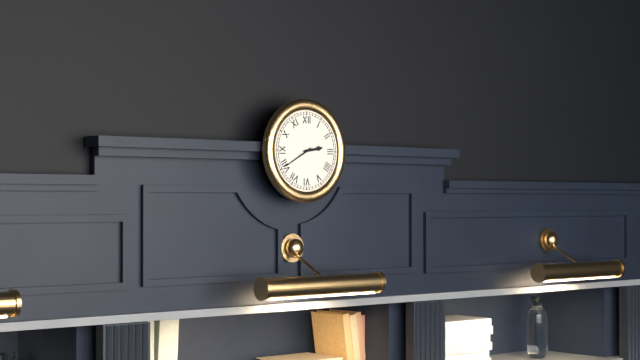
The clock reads 2:40
